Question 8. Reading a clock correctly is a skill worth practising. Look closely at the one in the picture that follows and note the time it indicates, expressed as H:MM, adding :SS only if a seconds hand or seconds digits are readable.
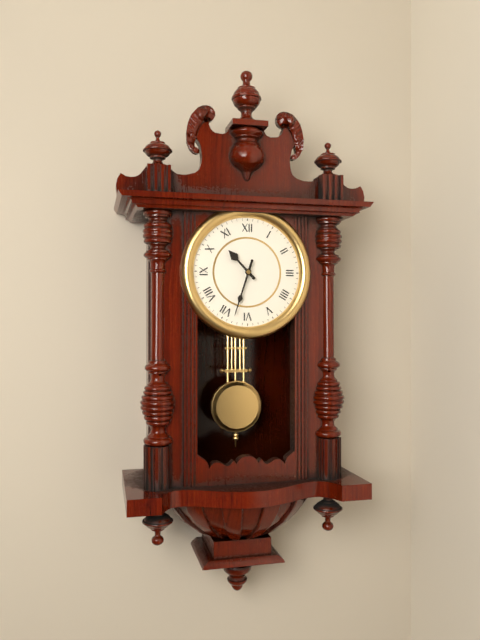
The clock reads 10:33
